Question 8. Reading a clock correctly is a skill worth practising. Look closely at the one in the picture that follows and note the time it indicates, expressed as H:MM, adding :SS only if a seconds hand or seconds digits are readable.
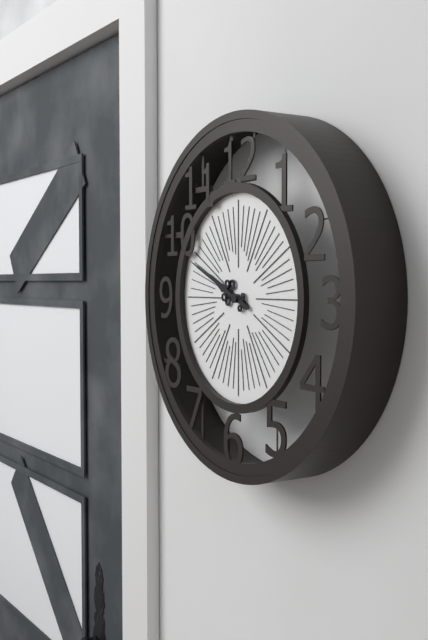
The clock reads 9:49
